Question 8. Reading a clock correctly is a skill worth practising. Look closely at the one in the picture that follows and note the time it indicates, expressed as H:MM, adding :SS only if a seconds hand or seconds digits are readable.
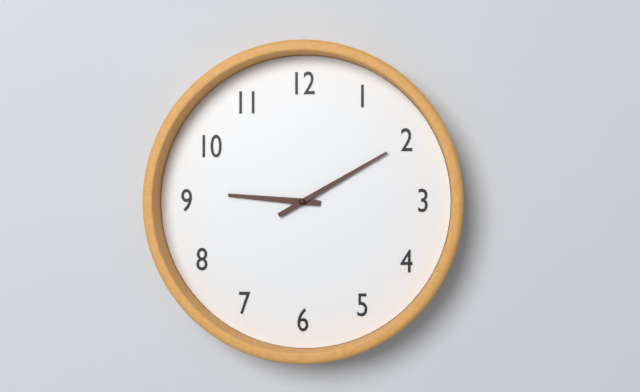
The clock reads 9:10
